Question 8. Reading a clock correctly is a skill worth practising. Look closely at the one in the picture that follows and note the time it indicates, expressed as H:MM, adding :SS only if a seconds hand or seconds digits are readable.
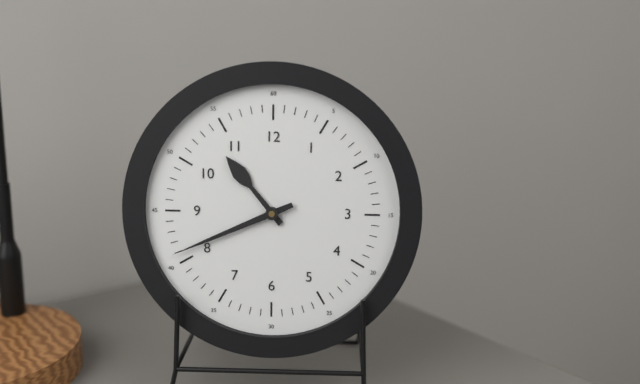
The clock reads 10:41
